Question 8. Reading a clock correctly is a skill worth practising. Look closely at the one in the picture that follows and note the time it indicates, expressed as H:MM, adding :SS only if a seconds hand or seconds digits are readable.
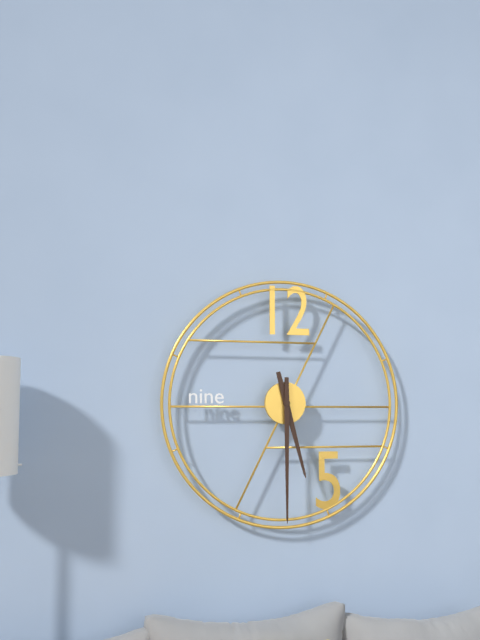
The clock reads 5:30
